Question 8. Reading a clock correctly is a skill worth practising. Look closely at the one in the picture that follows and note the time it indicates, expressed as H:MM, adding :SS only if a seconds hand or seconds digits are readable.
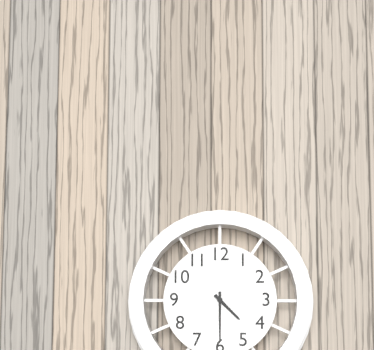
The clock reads 4:30
